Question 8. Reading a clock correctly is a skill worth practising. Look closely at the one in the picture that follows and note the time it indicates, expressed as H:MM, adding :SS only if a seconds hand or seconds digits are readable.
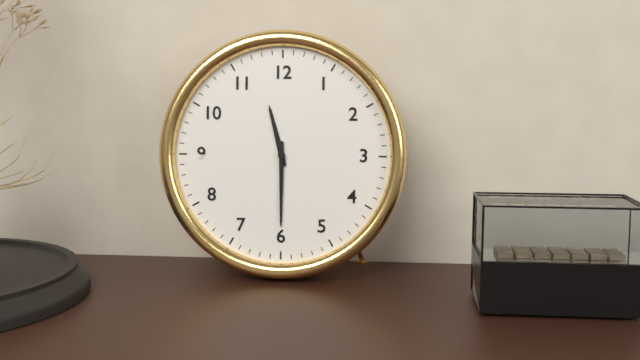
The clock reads 11:30
